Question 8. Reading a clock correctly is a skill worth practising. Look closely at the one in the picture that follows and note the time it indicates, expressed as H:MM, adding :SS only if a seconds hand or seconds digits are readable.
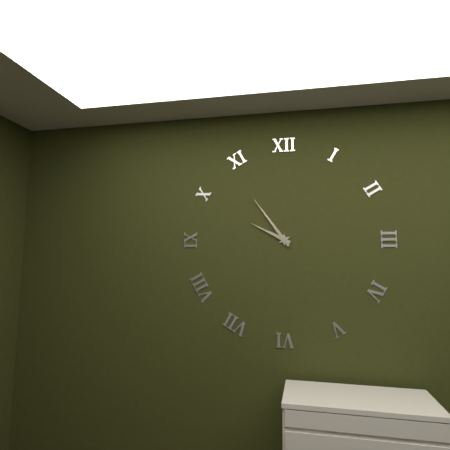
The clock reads 9:54
